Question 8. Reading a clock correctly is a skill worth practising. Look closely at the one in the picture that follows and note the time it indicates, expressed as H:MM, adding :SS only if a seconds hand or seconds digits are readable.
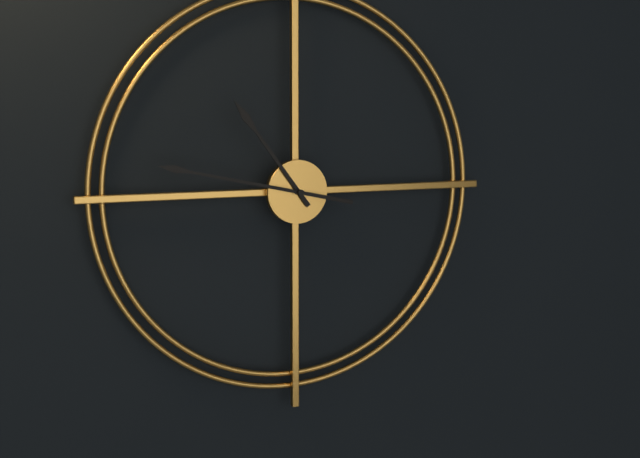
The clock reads 10:47
